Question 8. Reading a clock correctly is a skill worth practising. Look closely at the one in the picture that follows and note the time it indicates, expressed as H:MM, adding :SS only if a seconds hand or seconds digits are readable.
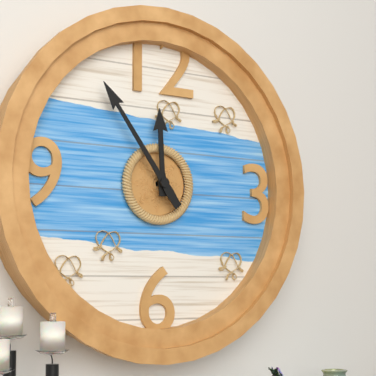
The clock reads 11:54
